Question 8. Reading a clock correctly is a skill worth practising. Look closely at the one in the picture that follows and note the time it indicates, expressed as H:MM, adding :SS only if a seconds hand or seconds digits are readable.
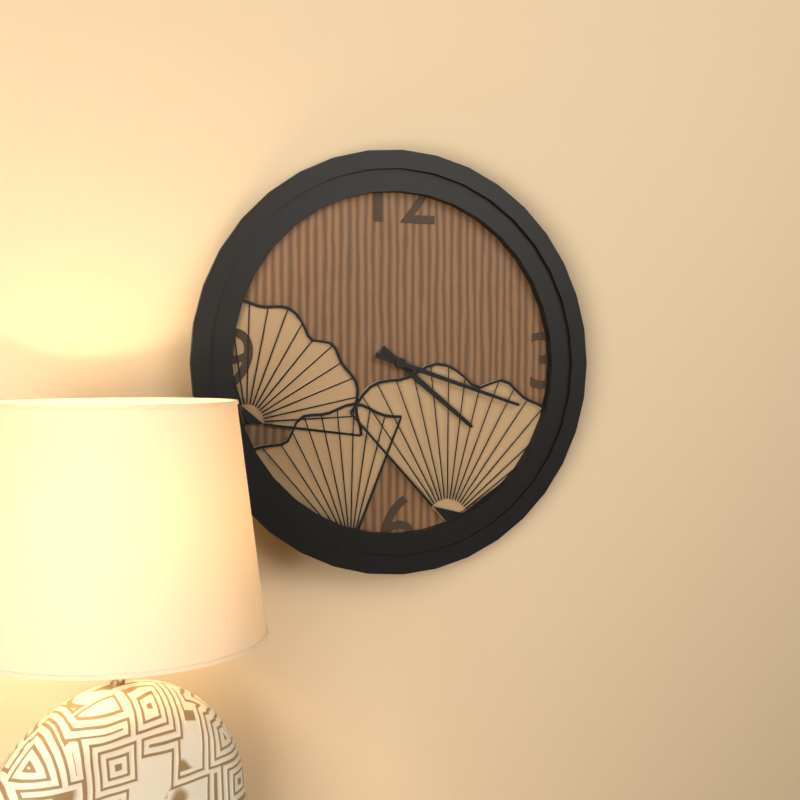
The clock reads 4:18
